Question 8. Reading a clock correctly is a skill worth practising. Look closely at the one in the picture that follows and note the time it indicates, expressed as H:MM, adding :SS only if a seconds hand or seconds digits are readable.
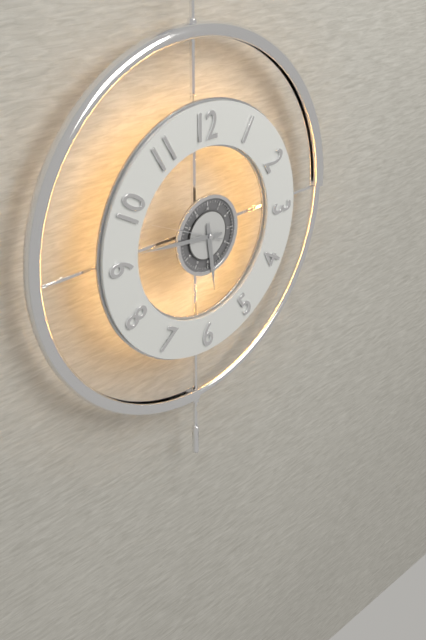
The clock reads 5:46:49
